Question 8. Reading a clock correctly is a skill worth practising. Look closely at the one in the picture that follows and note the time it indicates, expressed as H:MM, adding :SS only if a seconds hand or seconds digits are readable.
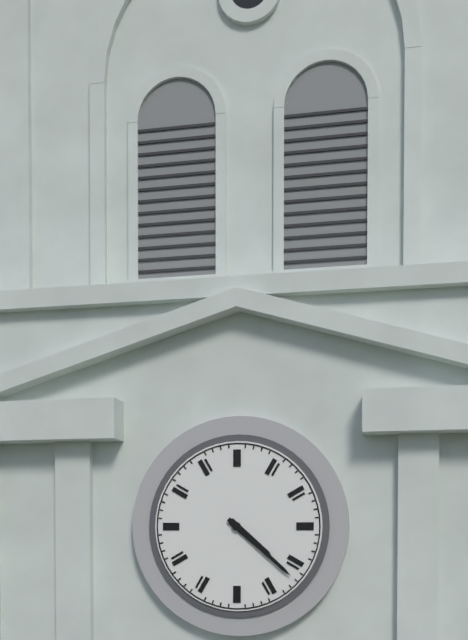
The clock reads 4:22
